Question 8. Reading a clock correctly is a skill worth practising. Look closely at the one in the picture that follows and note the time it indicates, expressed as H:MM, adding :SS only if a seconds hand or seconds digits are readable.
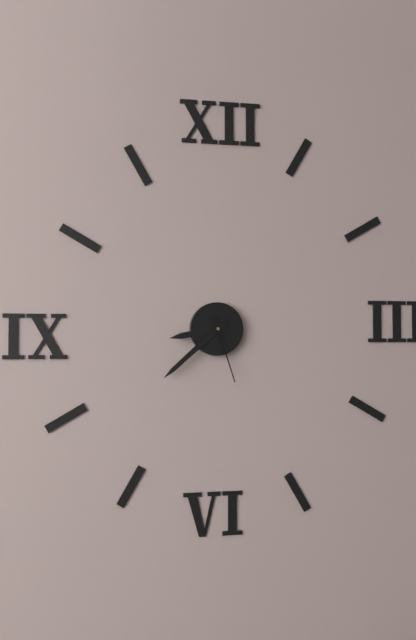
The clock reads 8:38:27
